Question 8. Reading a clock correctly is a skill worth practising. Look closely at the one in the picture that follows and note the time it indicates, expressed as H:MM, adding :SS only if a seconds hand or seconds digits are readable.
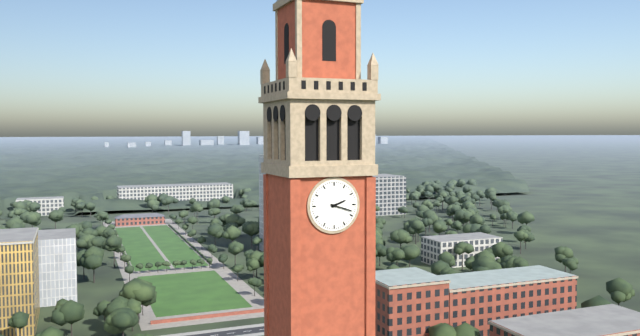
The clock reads 2:18
